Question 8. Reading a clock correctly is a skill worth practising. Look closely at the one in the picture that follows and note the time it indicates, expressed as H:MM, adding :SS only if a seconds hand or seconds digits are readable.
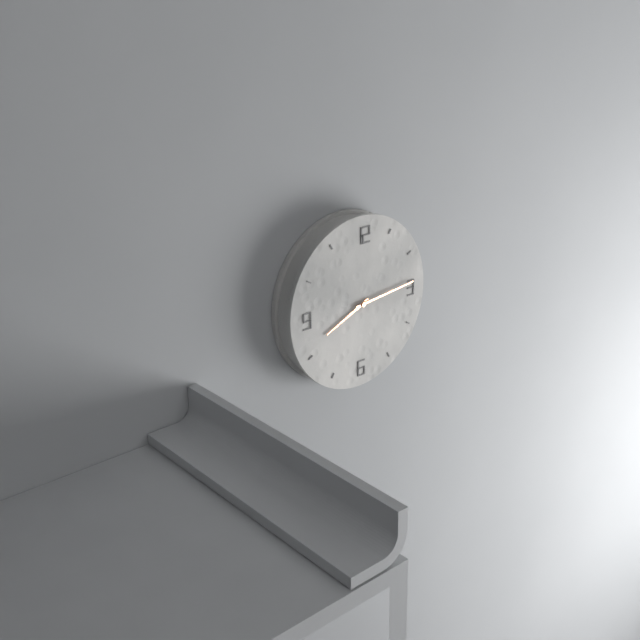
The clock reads 8:14
